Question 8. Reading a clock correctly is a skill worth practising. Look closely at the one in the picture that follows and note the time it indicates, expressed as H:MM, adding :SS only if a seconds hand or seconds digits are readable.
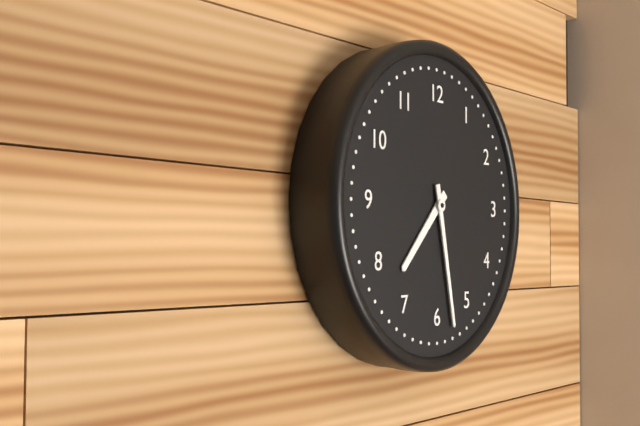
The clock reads 7:28
